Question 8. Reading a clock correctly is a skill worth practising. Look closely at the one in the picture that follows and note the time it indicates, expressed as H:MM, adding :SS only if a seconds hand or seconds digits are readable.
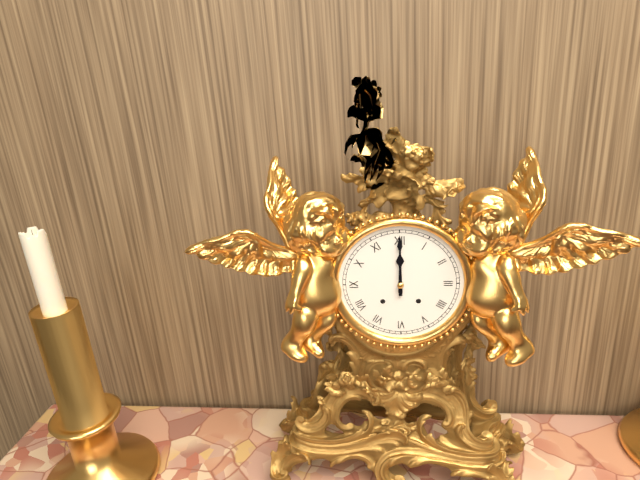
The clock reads 12:00
